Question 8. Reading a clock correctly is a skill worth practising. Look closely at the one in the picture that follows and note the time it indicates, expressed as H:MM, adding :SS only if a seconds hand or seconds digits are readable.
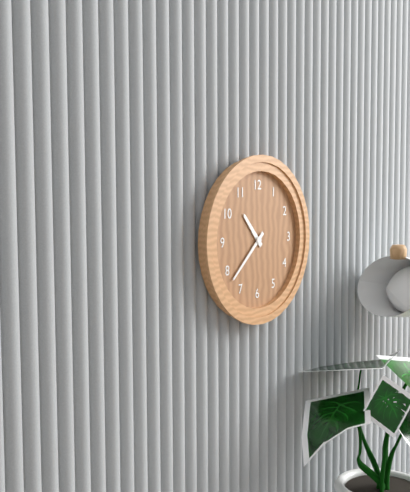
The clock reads 10:38
